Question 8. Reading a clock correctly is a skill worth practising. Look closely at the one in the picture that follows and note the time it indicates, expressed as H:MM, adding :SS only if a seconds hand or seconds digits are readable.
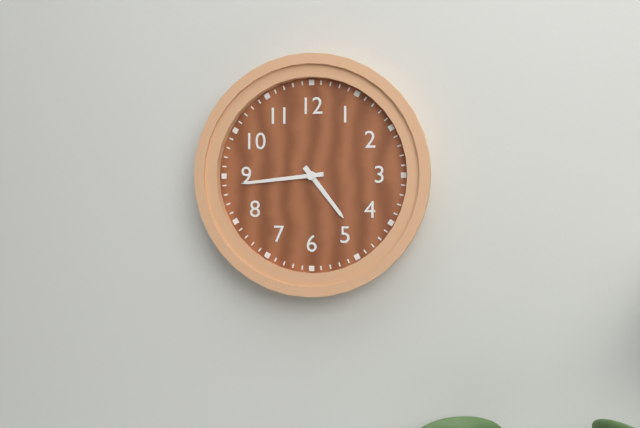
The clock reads 4:44
